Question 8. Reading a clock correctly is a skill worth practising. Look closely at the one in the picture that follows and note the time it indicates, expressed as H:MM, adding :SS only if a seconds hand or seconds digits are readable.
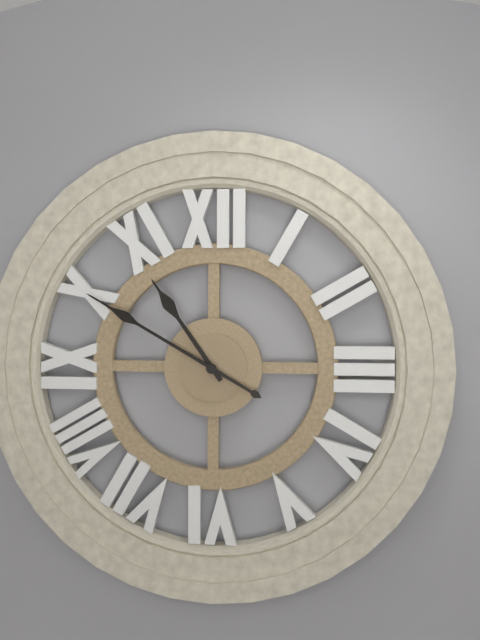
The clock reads 10:50
